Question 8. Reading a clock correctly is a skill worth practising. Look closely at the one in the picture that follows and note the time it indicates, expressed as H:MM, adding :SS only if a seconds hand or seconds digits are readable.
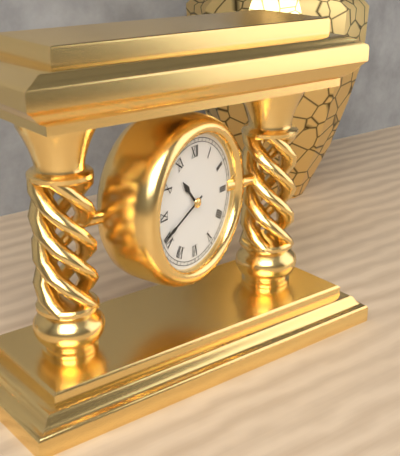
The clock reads 10:41
